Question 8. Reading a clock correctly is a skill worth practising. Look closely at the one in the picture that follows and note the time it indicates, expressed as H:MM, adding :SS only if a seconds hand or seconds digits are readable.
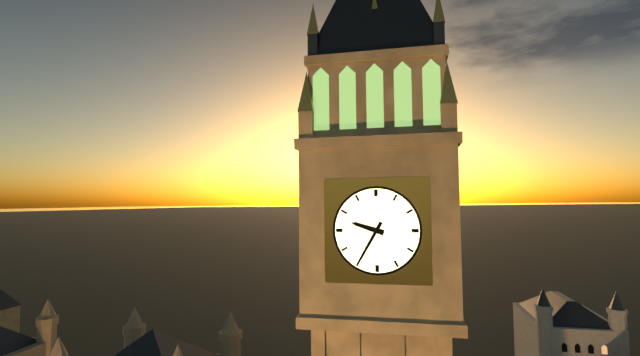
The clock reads 9:35
